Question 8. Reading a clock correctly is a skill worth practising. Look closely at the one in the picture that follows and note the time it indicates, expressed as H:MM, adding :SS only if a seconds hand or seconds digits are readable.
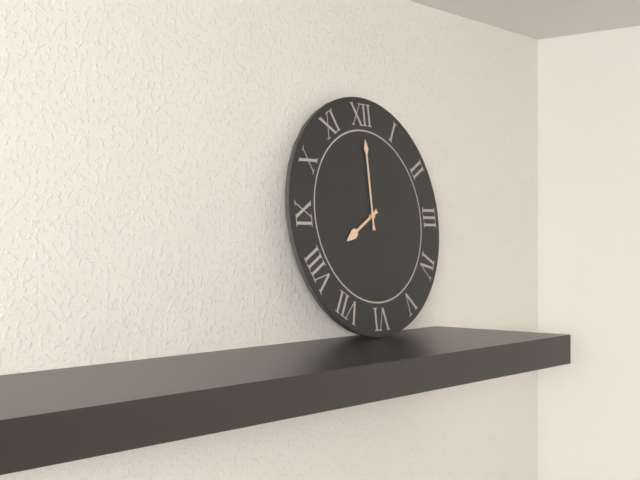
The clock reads 8:00
